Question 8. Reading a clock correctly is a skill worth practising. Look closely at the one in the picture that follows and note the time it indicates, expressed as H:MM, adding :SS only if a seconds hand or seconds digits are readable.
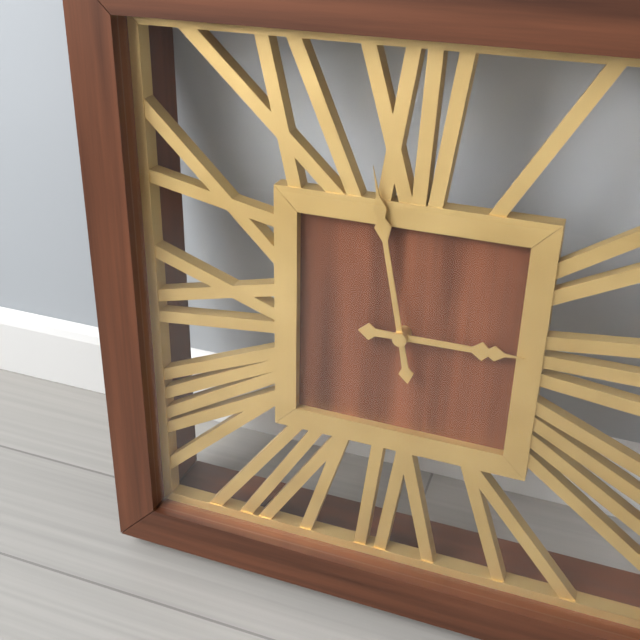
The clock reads 2:58
